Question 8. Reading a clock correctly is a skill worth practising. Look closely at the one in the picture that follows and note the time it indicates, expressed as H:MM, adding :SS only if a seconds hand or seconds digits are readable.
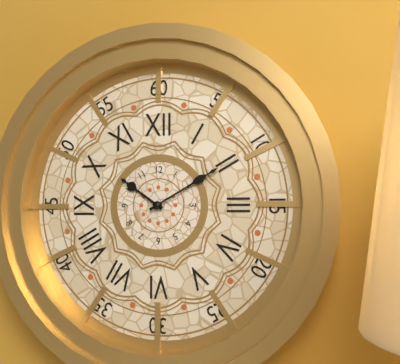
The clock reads 10:10
